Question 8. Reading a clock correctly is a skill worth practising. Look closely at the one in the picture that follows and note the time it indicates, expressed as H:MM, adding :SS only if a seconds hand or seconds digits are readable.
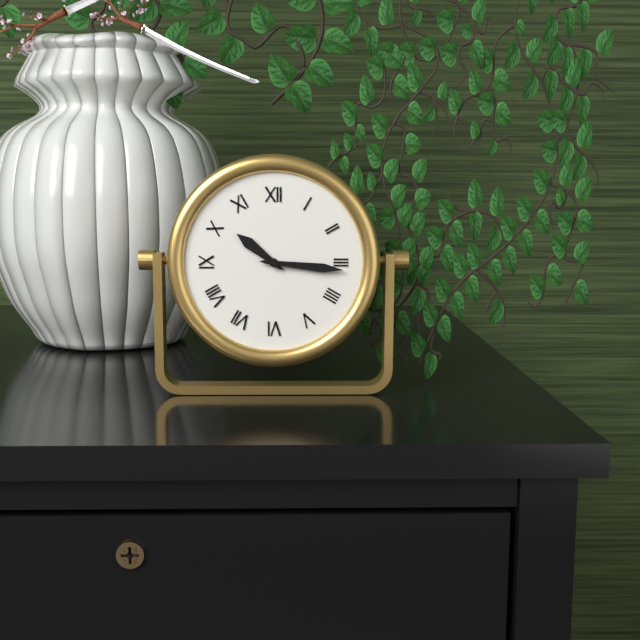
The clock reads 10:16
